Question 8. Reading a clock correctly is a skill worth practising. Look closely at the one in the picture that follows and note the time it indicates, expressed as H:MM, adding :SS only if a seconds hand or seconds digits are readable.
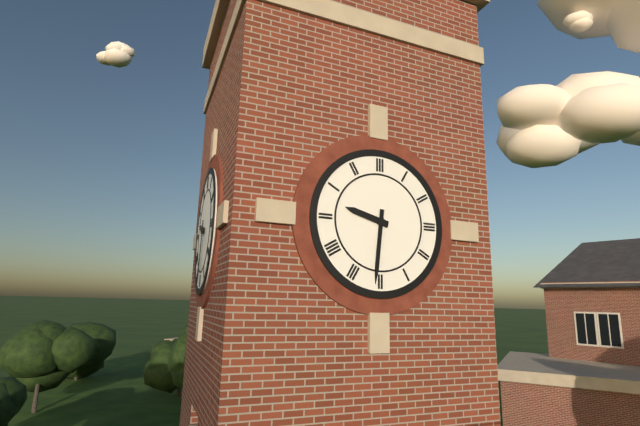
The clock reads 9:31
